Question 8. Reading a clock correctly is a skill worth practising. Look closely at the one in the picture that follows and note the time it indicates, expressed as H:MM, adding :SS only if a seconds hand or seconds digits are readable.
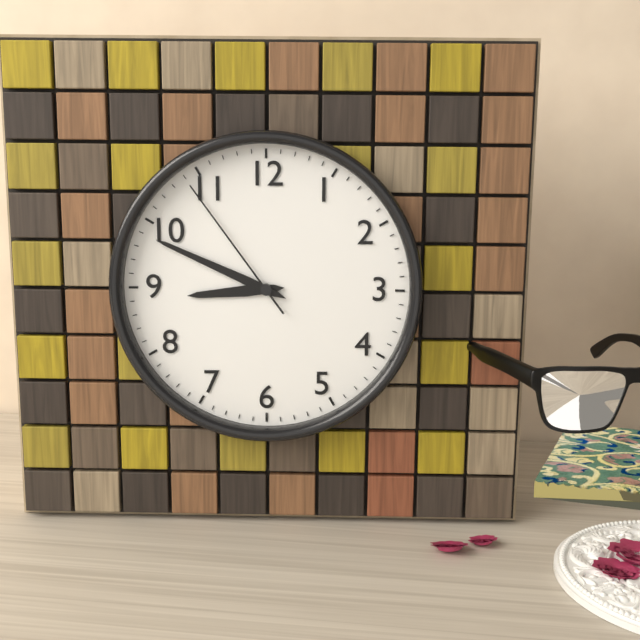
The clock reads 8:49:54
